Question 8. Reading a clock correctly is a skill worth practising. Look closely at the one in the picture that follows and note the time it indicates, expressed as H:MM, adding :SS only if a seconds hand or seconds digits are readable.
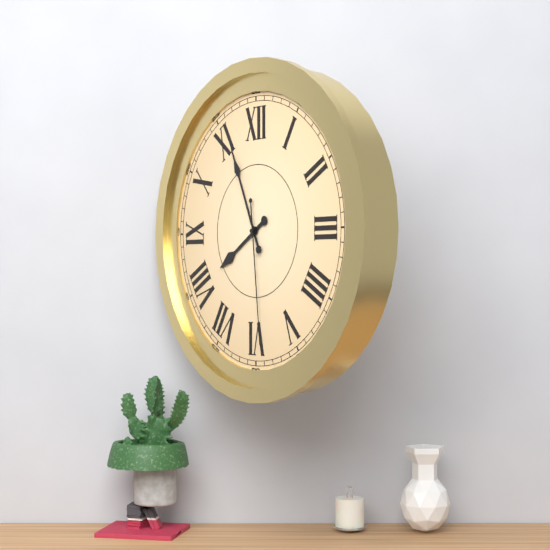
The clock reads 7:56:29
